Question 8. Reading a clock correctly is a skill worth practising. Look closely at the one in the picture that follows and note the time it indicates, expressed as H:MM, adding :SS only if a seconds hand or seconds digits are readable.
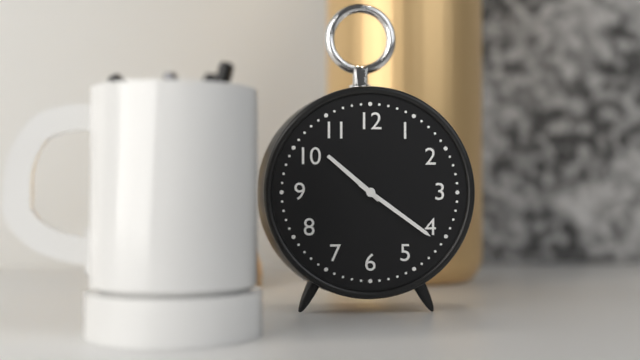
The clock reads 10:21
